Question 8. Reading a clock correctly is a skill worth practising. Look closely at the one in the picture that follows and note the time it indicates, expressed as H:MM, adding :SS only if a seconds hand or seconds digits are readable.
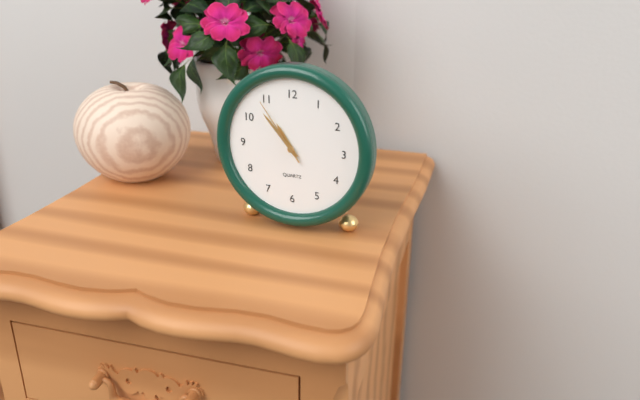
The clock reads 10:53:54
